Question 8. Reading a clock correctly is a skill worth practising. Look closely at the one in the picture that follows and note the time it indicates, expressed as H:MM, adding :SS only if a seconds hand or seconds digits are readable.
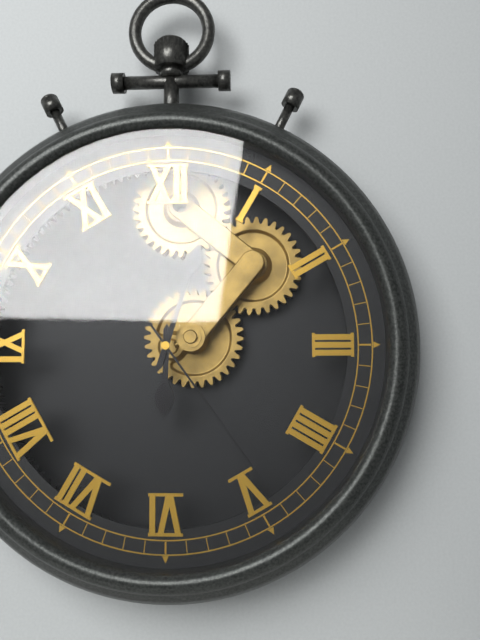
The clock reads 6:03:24
